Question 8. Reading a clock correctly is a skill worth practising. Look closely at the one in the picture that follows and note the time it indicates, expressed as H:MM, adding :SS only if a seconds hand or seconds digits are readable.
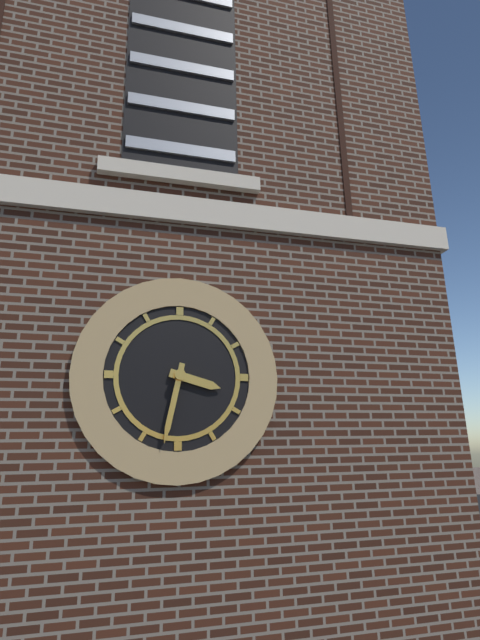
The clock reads 3:32
